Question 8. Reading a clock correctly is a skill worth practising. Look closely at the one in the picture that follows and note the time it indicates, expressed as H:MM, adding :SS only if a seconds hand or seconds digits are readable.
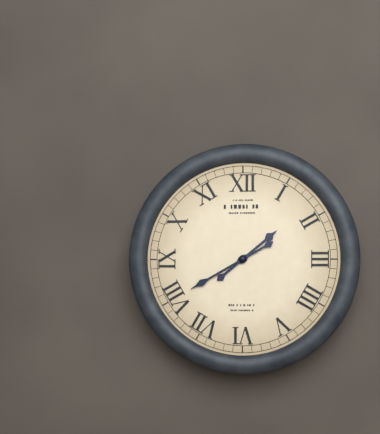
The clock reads 1:40
